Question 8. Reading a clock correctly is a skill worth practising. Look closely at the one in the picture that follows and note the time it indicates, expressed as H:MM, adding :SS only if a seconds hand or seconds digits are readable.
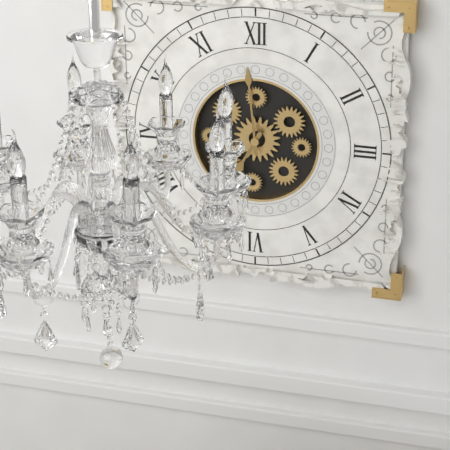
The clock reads 6:59
